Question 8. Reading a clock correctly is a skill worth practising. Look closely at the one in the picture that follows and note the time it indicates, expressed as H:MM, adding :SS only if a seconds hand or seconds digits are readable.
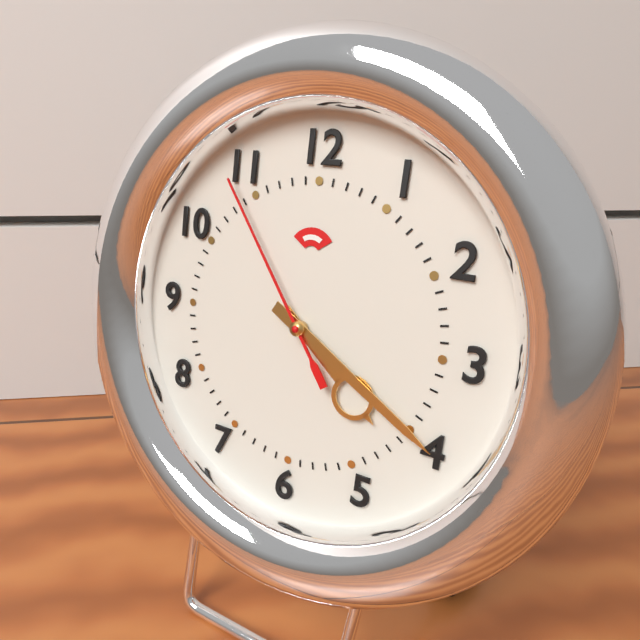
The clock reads 4:20:54
